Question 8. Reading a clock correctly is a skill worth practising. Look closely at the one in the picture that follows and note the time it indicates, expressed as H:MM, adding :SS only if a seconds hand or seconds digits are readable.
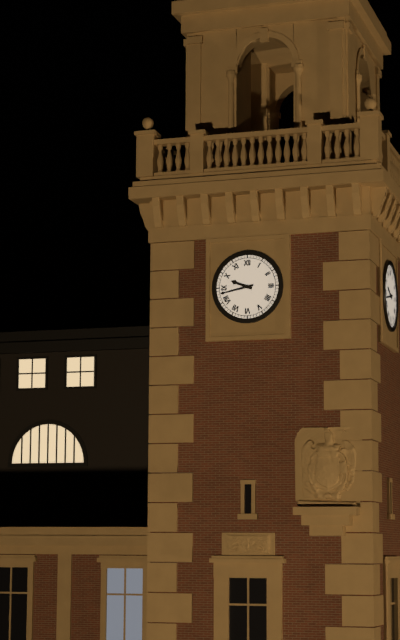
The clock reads 9:43
